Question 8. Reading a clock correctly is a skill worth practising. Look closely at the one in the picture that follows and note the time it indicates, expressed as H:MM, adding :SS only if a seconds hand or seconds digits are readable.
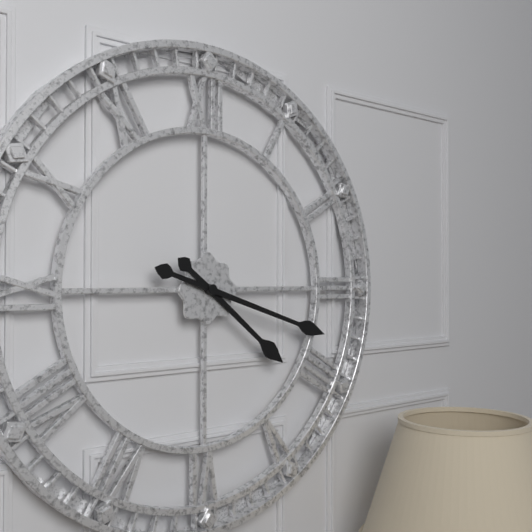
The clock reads 4:18
